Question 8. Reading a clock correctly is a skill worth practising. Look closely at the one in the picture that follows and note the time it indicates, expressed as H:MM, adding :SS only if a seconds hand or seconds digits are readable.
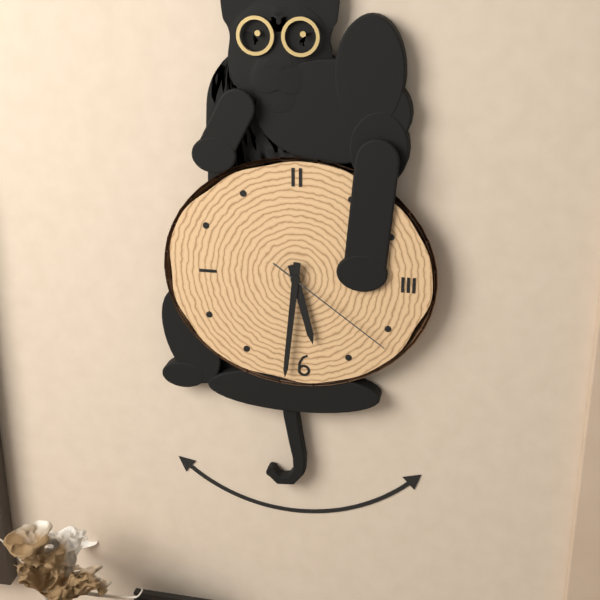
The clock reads 5:31:21
